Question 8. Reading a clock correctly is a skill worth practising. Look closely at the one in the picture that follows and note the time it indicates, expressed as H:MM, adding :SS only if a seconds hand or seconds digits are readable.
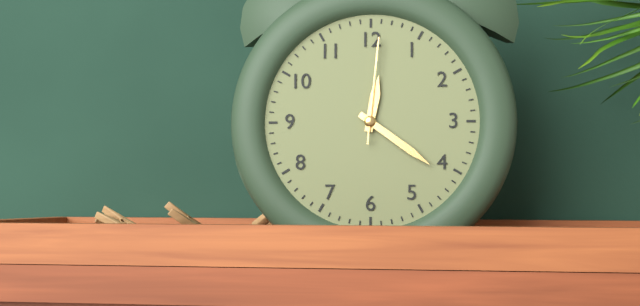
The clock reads 12:21:01
